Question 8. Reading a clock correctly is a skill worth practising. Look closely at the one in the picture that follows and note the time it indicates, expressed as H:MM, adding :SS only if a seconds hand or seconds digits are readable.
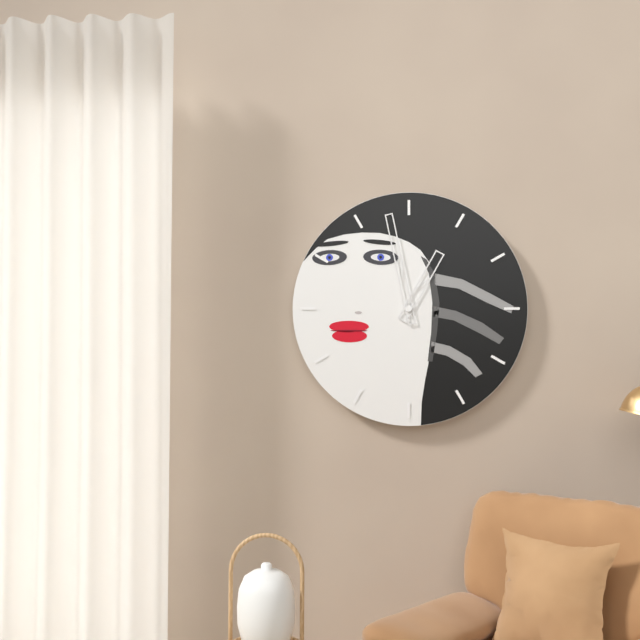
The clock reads 12:58
